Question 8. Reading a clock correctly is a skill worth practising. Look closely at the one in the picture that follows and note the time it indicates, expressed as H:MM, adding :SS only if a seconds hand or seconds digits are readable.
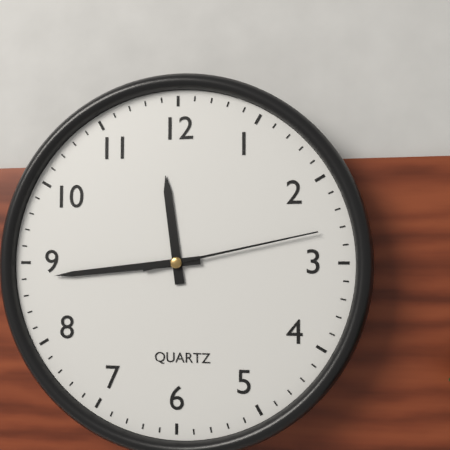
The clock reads 11:44:13
